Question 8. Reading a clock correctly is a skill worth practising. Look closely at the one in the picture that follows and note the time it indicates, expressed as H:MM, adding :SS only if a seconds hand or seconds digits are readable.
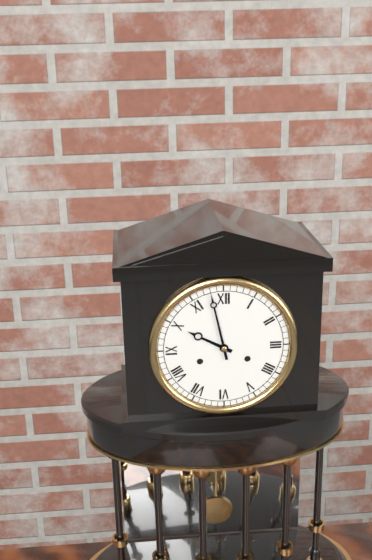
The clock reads 9:58
